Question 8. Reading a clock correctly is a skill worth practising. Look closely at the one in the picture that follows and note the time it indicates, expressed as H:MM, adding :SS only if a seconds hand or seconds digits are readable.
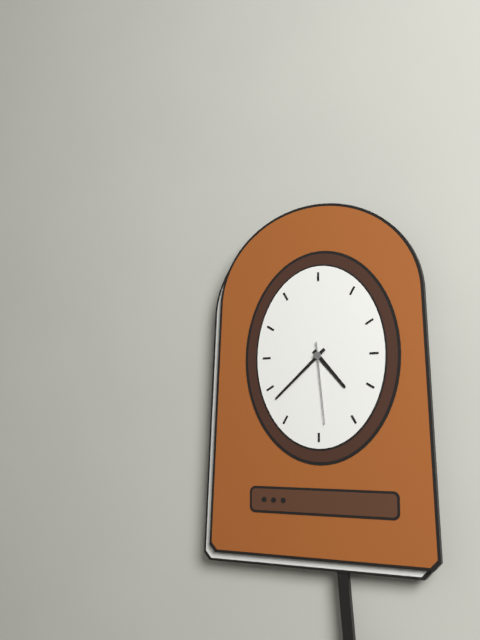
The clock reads 4:38:29
